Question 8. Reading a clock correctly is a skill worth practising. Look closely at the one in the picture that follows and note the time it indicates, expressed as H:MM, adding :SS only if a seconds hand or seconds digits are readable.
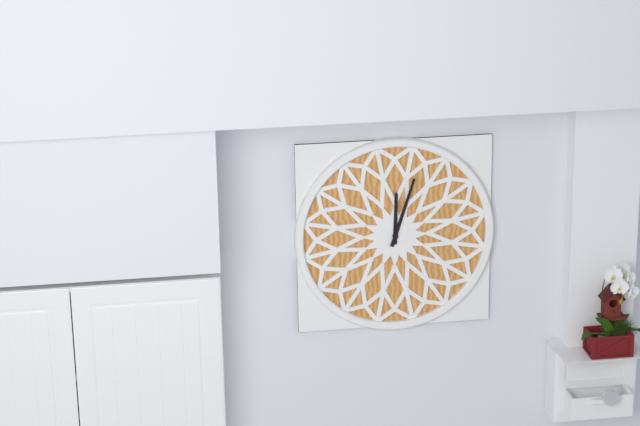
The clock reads 12:03
